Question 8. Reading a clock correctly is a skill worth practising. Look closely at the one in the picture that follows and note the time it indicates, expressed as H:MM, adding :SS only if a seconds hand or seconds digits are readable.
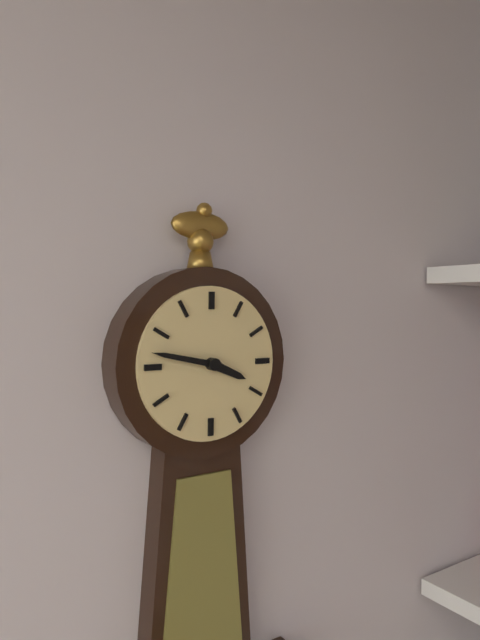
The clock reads 3:47
